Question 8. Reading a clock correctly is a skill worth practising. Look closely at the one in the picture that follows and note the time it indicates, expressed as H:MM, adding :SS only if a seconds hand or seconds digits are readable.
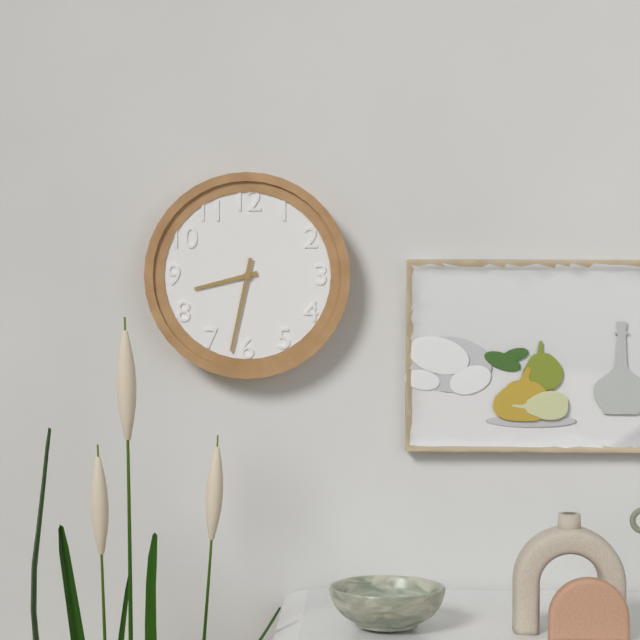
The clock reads 8:32
